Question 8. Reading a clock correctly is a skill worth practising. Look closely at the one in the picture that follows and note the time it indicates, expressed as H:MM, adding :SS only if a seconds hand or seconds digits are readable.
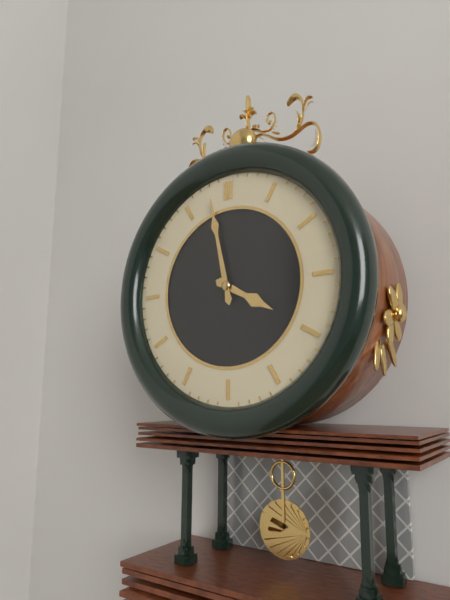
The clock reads 3:58
